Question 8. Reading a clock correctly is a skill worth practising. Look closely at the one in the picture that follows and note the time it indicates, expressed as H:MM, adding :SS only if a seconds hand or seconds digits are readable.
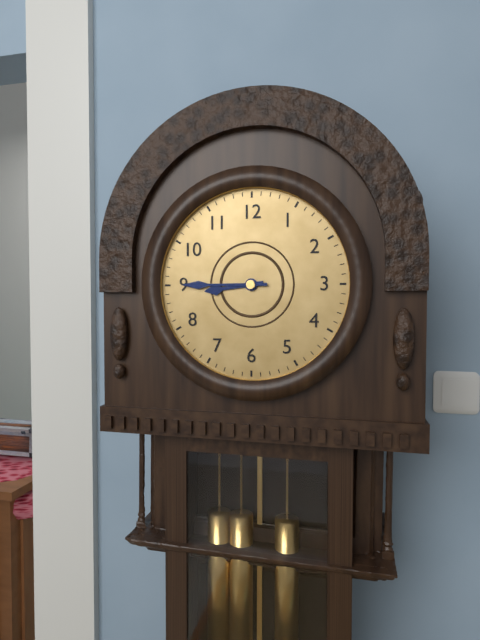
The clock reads 8:45
